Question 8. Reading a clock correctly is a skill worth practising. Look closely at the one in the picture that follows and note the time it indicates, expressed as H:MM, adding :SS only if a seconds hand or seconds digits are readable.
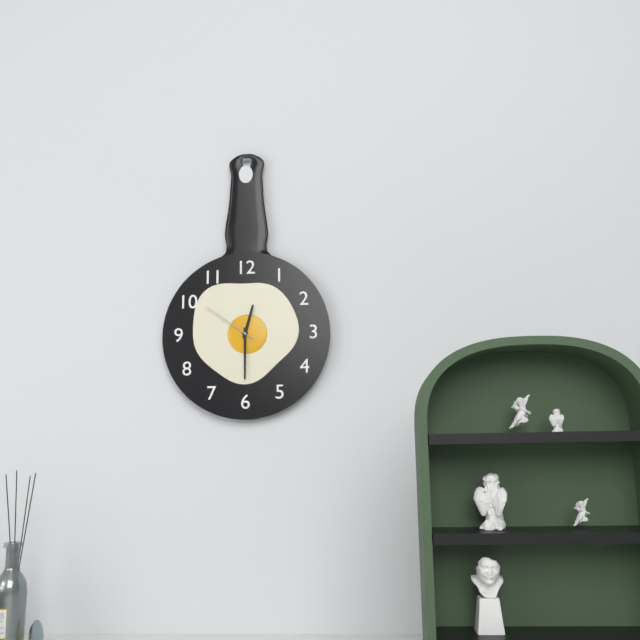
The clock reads 12:30:51
